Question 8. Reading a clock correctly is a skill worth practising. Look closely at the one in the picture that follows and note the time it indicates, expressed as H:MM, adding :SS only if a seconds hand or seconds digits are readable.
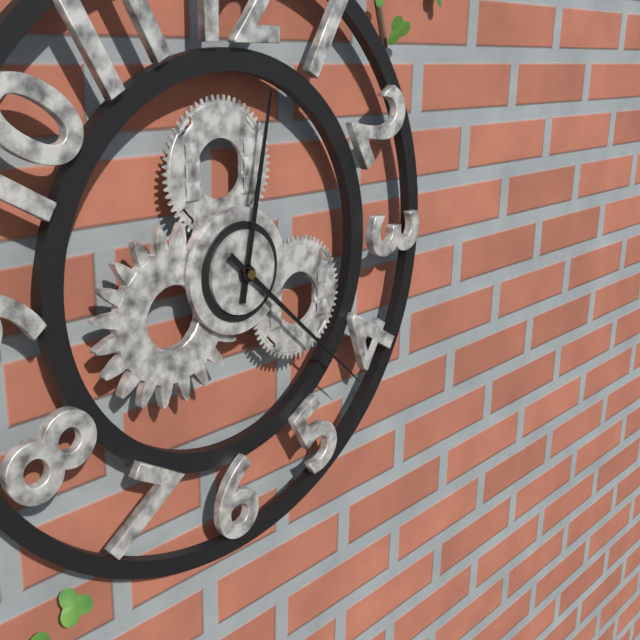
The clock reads 12:22
